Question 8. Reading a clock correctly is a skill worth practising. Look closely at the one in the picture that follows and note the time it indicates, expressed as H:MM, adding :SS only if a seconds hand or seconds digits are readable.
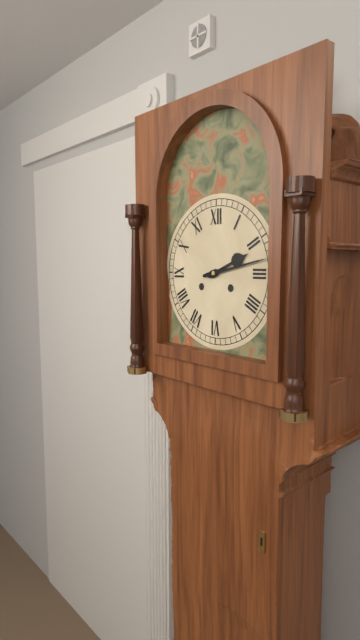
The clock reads 2:13
